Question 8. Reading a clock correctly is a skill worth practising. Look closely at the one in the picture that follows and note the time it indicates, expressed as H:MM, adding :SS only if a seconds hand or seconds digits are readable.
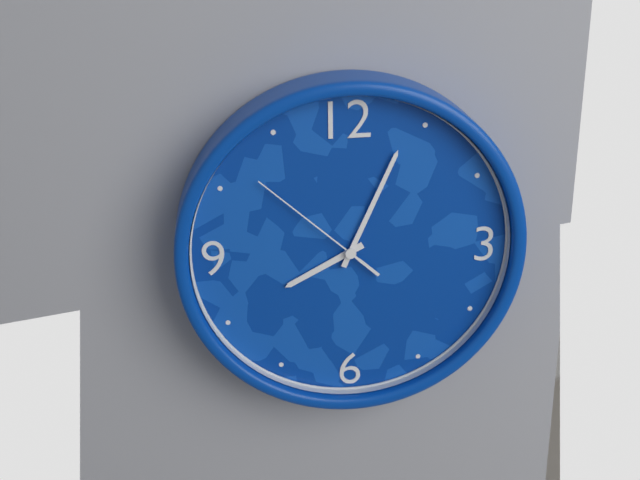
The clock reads 8:04:52
